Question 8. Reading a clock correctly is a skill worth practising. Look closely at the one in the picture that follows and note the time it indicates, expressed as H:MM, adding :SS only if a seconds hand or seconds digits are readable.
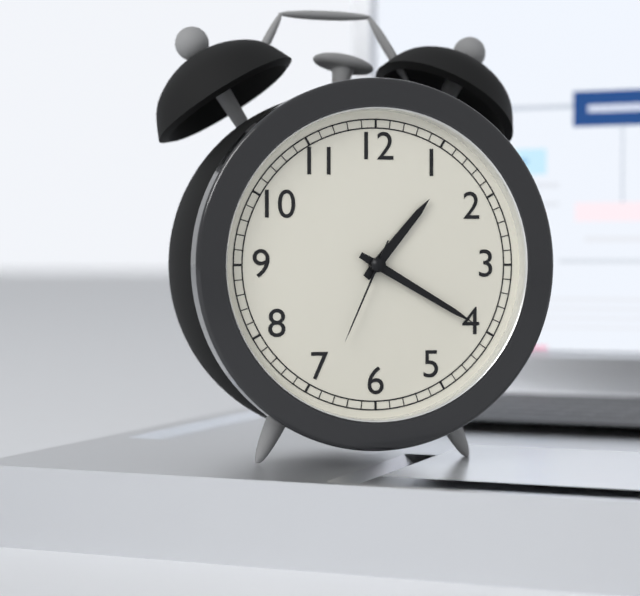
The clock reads 1:20:34
